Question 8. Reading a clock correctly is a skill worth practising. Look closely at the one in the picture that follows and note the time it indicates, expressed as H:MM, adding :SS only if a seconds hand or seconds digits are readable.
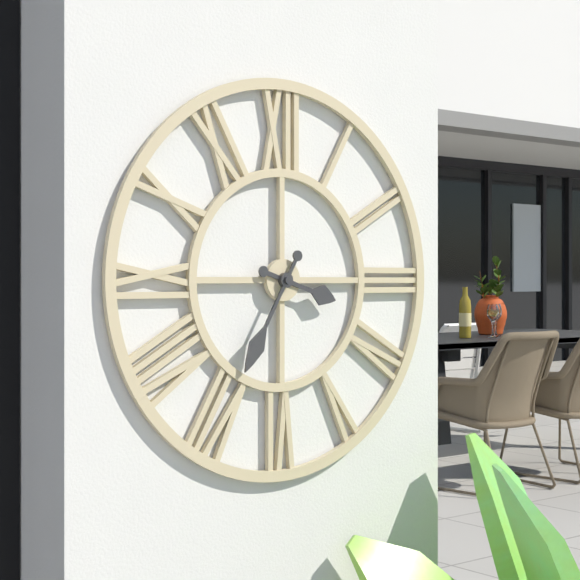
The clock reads 3:35
